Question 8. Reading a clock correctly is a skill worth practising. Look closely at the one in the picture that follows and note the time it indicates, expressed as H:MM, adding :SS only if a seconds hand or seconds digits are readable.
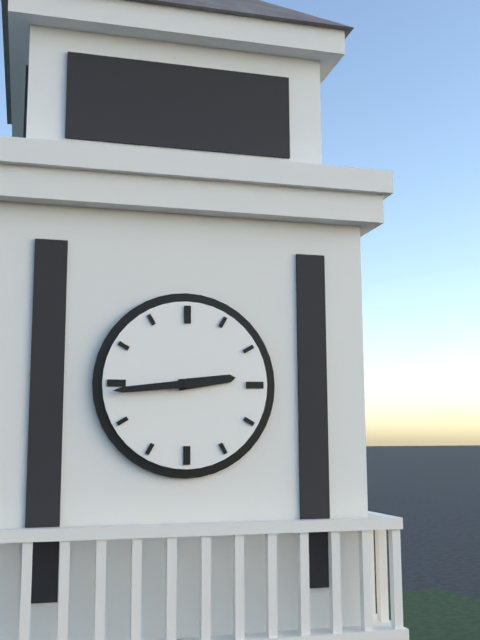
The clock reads 2:44
